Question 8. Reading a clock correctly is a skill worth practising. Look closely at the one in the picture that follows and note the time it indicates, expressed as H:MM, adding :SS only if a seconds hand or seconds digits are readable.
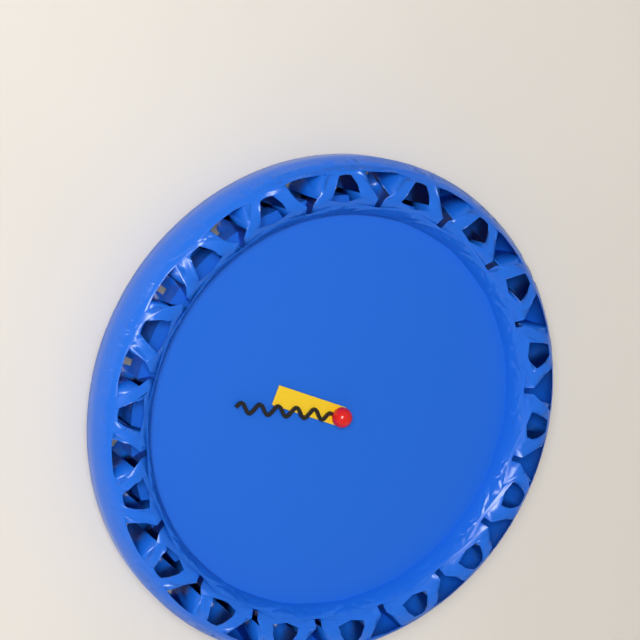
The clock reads 9:47
